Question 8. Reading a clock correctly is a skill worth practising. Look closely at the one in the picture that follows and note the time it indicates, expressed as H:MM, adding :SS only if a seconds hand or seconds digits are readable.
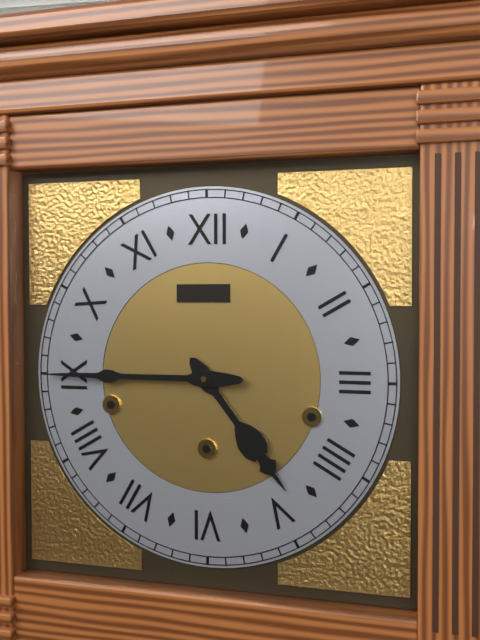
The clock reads 4:45
